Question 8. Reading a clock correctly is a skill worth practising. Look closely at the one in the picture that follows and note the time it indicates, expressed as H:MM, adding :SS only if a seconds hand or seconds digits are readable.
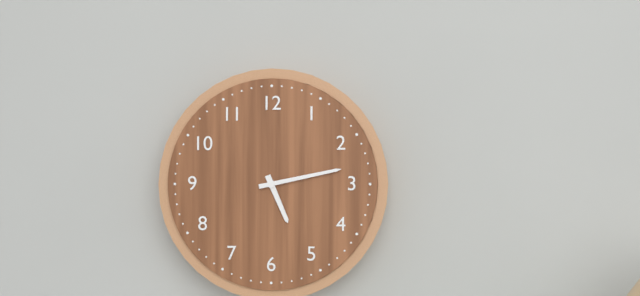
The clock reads 5:13
